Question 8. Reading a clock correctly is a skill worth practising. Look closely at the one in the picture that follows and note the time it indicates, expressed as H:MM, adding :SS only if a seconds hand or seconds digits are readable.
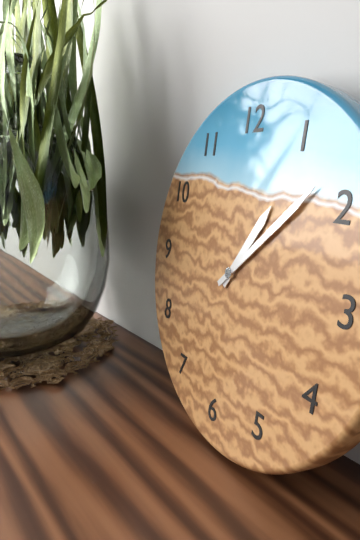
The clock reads 1:08
